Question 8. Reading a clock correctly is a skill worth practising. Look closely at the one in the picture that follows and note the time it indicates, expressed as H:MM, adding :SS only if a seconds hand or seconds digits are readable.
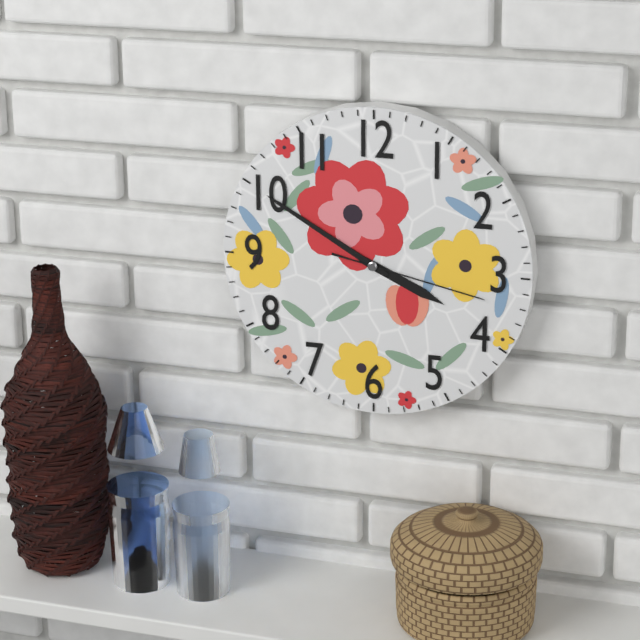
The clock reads 3:50:17
